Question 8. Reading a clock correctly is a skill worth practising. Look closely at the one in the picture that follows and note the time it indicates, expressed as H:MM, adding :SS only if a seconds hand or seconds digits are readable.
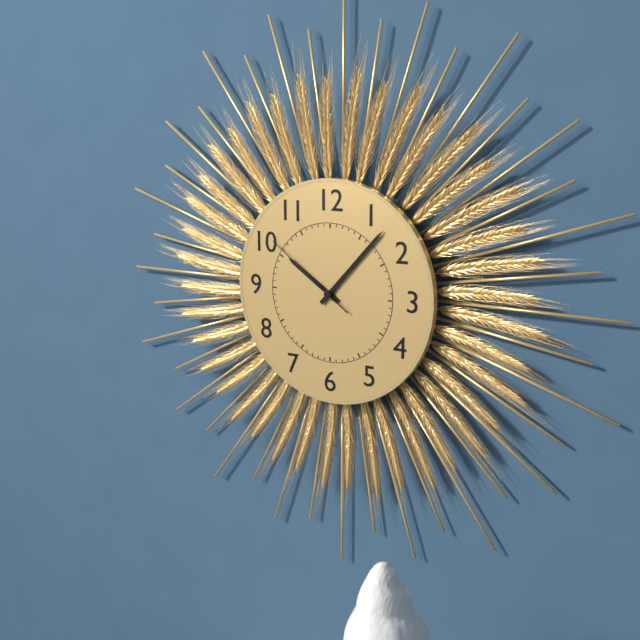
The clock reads 10:07:51
